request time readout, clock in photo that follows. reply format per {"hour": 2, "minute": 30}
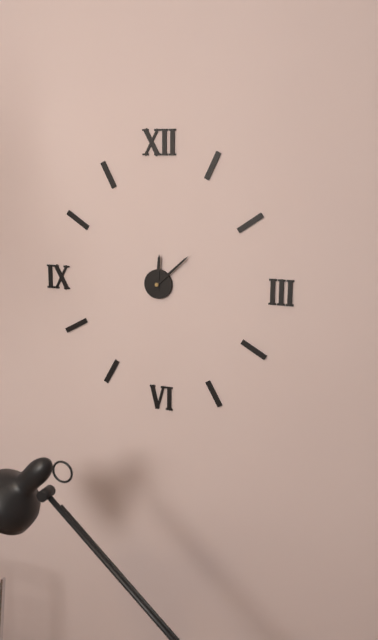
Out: {"hour": 12, "minute": 8}
